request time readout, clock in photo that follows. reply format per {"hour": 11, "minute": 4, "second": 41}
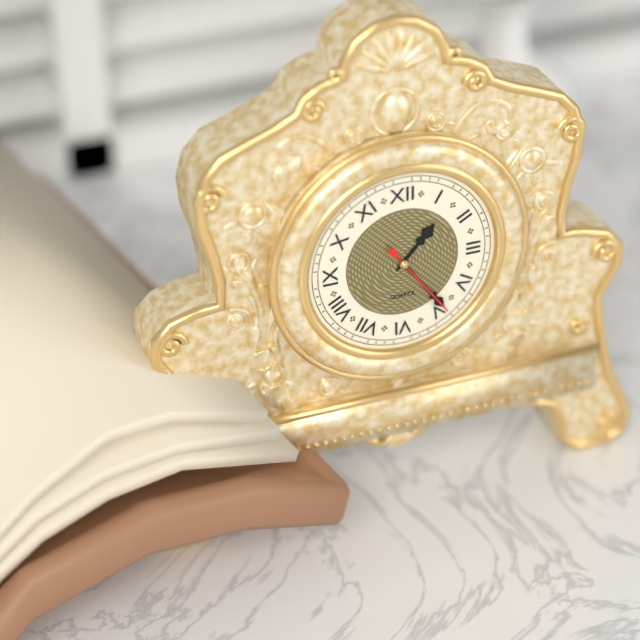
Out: {"hour": 1, "minute": 24, "second": 24}
